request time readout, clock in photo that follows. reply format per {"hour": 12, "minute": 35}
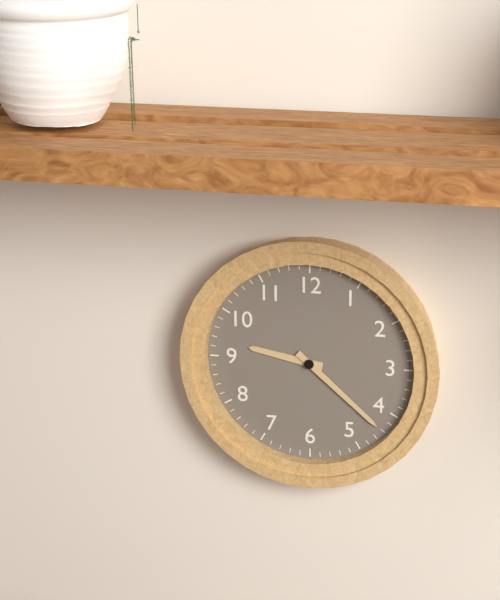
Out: {"hour": 9, "minute": 22}
